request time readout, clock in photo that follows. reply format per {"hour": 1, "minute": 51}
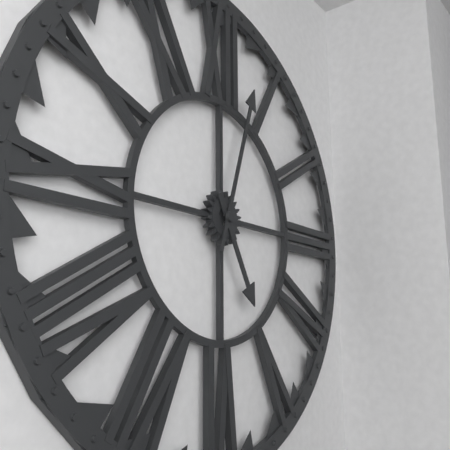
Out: {"hour": 5, "minute": 3}
